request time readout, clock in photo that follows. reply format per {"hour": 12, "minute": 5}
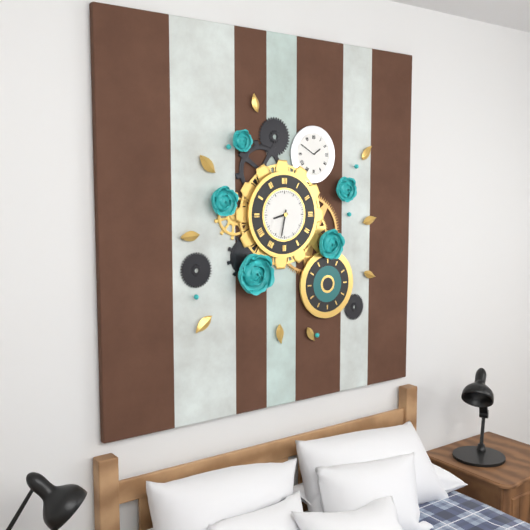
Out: {"hour": 8, "minute": 32}
